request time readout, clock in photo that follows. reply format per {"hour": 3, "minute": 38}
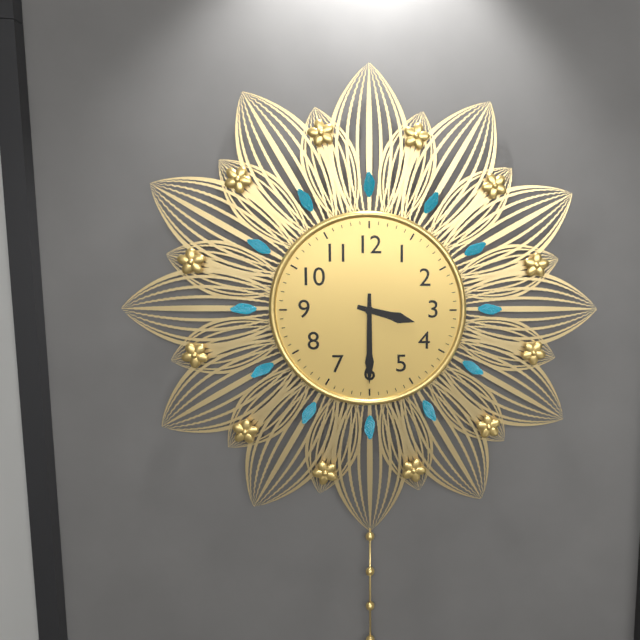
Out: {"hour": 3, "minute": 30}
